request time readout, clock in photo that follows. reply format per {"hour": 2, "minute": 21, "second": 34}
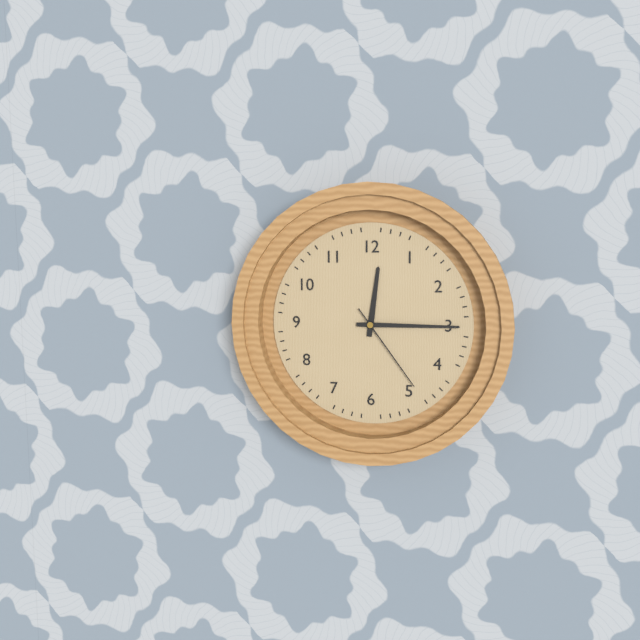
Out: {"hour": 12, "minute": 15, "second": 24}
